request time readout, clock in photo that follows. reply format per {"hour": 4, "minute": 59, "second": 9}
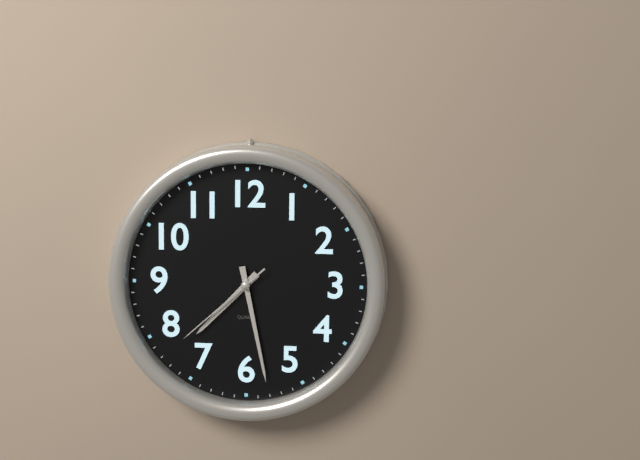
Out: {"hour": 7, "minute": 28, "second": 38}
